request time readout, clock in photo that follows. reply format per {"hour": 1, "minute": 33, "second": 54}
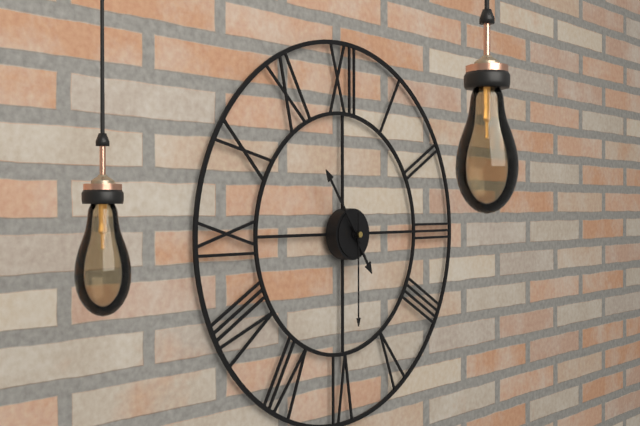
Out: {"hour": 4, "minute": 54, "second": 30}
